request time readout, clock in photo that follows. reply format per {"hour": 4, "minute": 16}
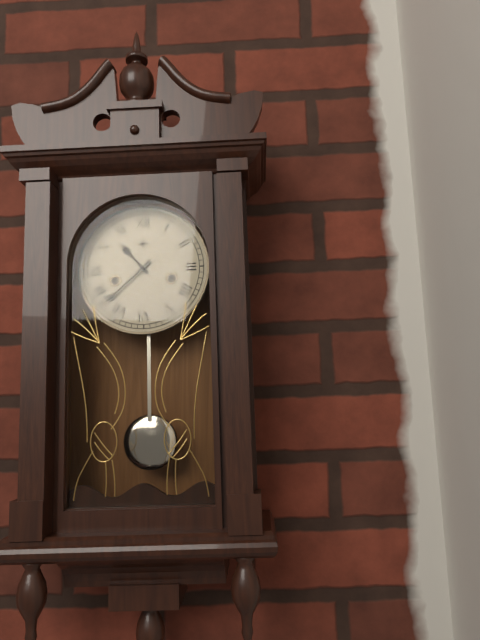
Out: {"hour": 10, "minute": 38}
